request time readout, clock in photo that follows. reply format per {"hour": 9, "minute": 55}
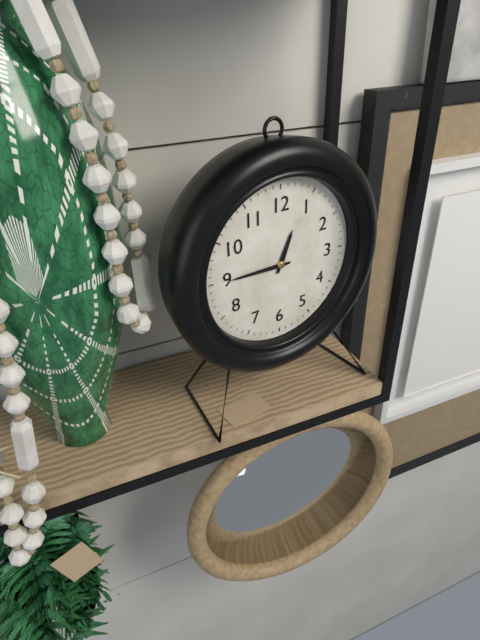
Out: {"hour": 12, "minute": 45}
